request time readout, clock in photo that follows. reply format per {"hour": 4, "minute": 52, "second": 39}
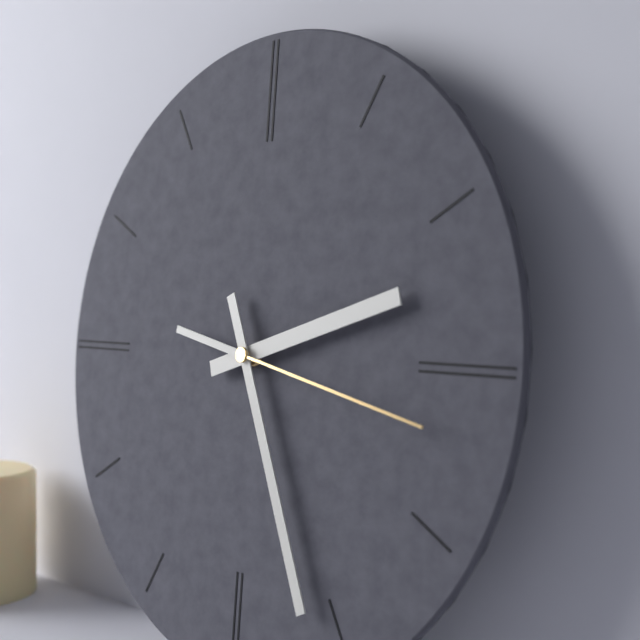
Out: {"hour": 2, "minute": 26, "second": 17}
